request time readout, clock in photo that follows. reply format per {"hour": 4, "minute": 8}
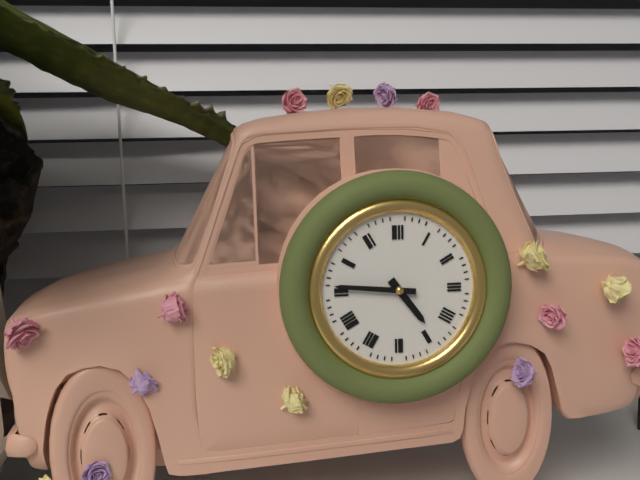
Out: {"hour": 4, "minute": 46}
